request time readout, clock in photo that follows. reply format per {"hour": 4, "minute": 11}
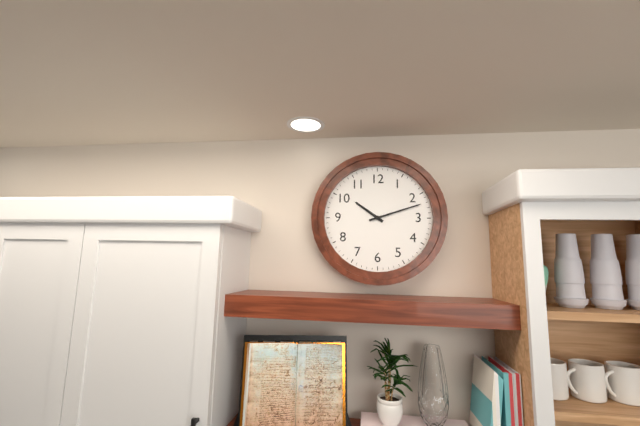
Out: {"hour": 10, "minute": 12}
